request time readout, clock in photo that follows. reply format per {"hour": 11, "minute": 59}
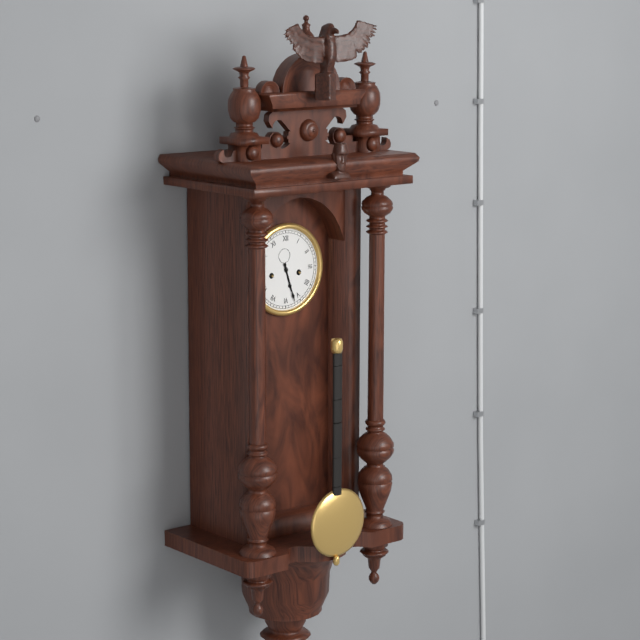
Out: {"hour": 5, "minute": 27}
